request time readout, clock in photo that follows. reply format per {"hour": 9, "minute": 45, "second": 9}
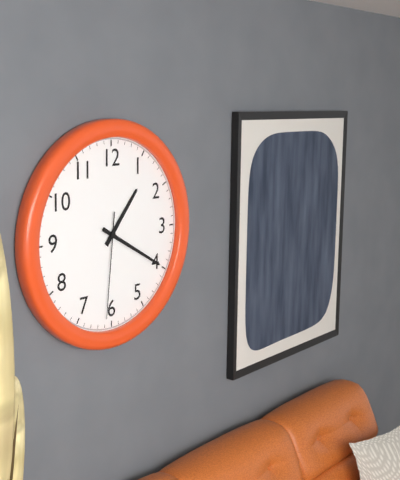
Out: {"hour": 1, "minute": 20, "second": 31}
